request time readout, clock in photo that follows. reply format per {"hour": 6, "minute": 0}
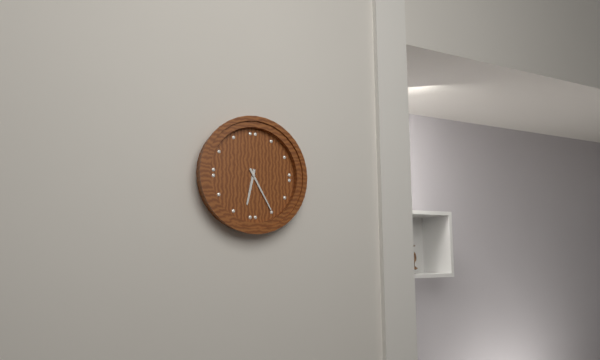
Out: {"hour": 6, "minute": 25}
